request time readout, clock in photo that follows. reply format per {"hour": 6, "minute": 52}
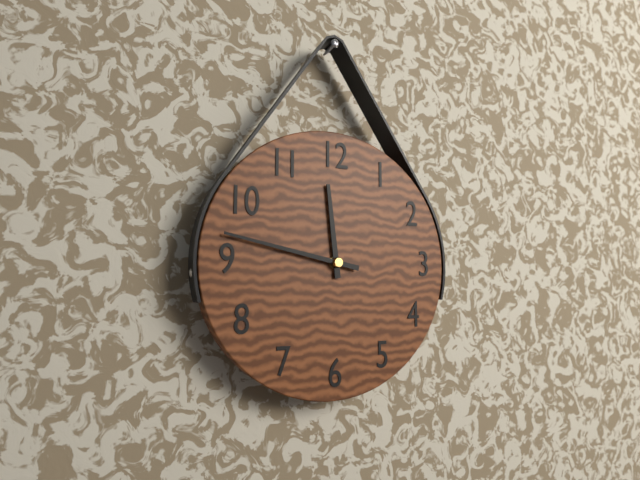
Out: {"hour": 11, "minute": 47}
